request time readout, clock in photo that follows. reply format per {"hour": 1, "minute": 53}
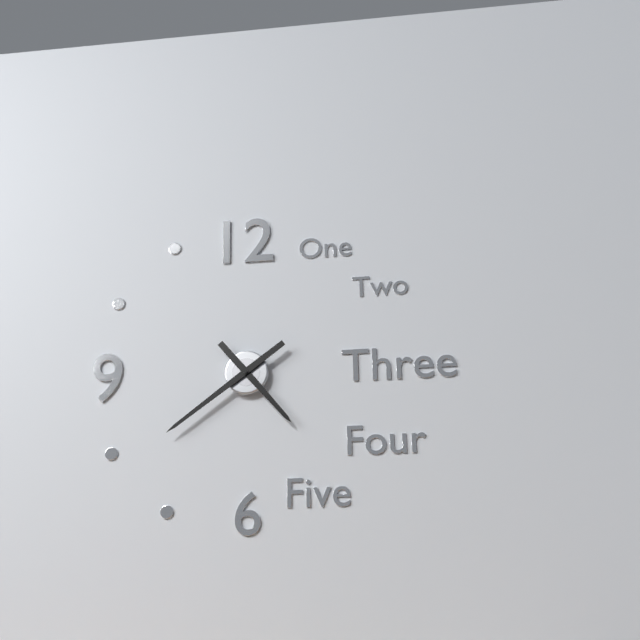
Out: {"hour": 4, "minute": 39}
